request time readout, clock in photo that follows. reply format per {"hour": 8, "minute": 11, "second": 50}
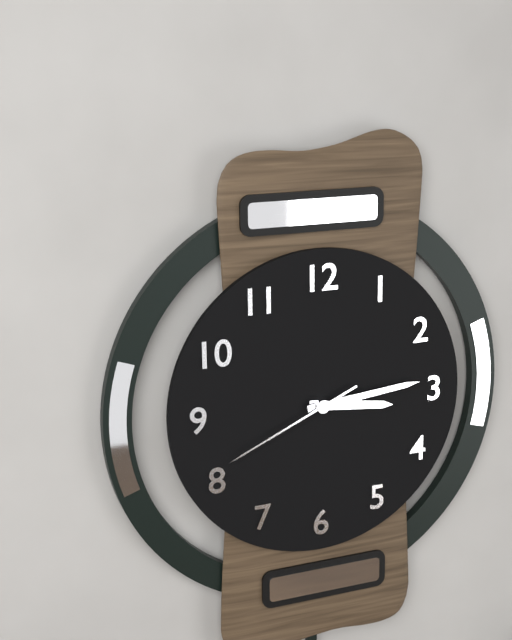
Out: {"hour": 3, "minute": 14, "second": 41}
